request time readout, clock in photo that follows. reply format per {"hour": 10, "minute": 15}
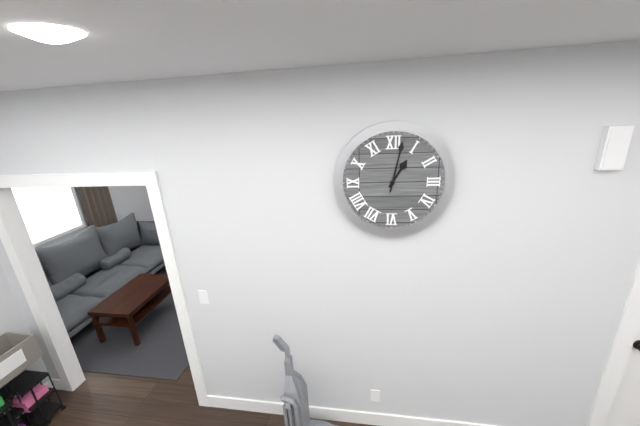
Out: {"hour": 1, "minute": 2}
